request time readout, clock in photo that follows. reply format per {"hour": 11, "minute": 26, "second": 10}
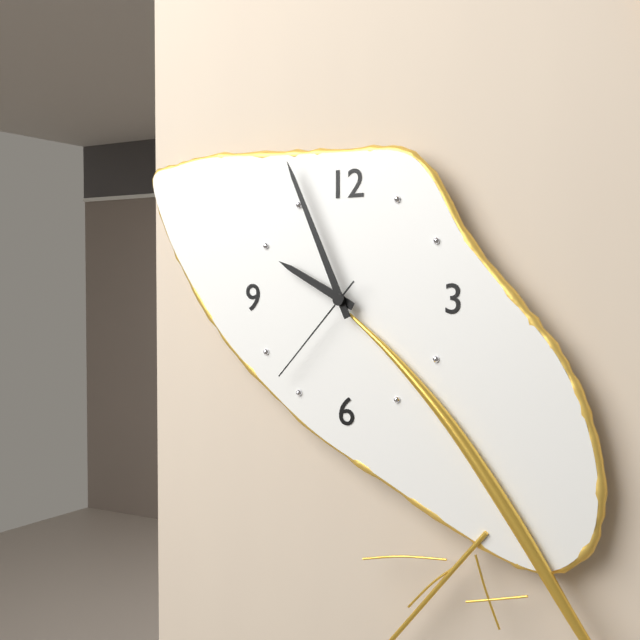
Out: {"hour": 9, "minute": 56, "second": 37}
